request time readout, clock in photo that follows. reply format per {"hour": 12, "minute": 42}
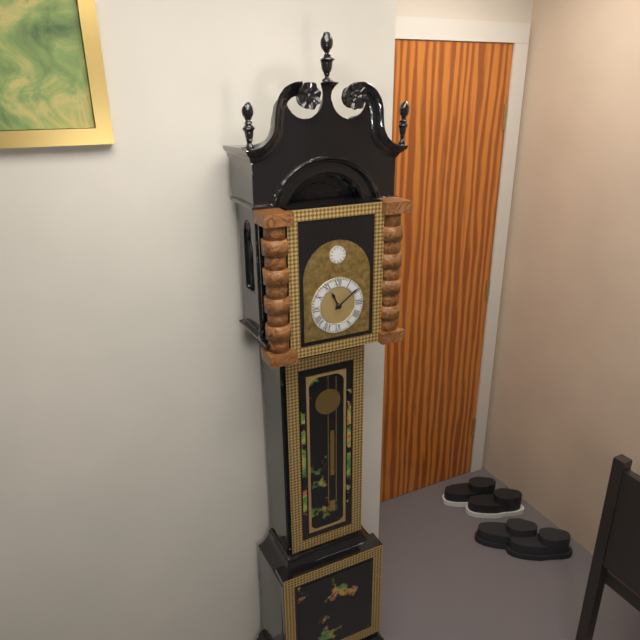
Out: {"hour": 11, "minute": 9}
